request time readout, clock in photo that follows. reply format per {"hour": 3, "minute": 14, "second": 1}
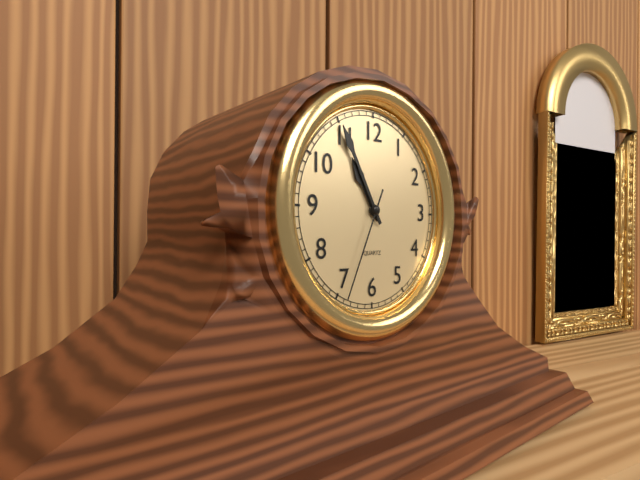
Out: {"hour": 10, "minute": 55, "second": 34}
